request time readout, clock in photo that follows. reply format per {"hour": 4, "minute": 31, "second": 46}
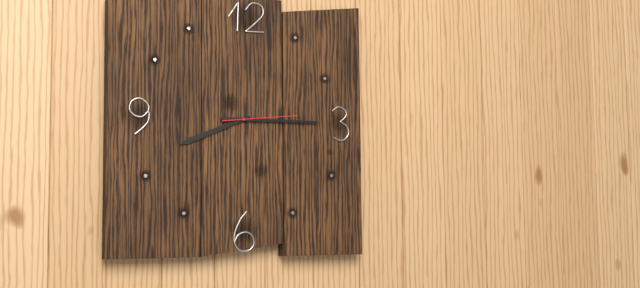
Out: {"hour": 8, "minute": 15, "second": 14}
